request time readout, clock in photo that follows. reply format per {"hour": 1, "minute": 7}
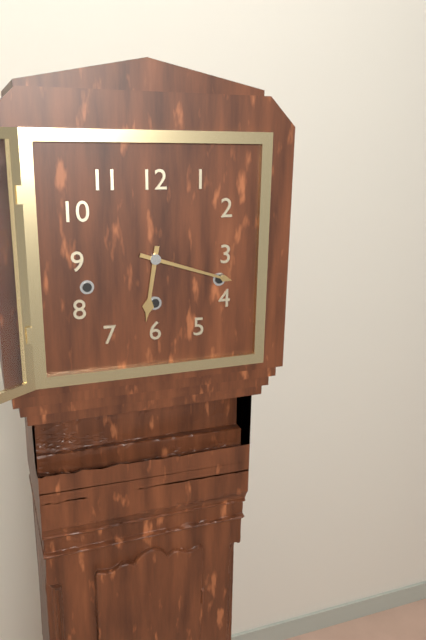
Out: {"hour": 6, "minute": 18}
